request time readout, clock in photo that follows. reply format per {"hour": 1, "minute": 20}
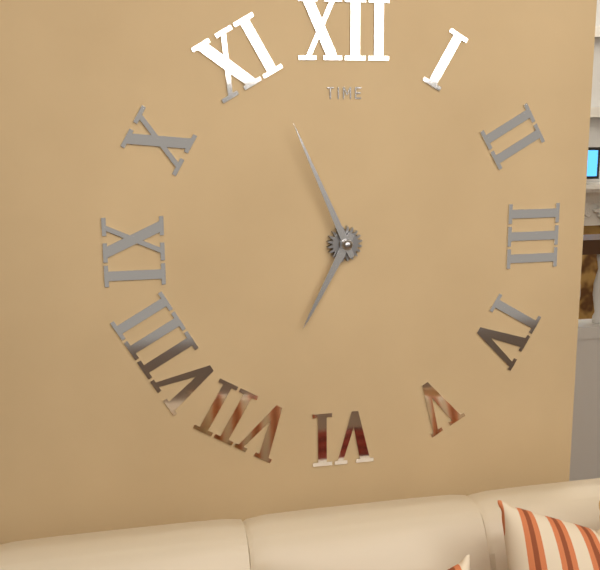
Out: {"hour": 6, "minute": 56}
